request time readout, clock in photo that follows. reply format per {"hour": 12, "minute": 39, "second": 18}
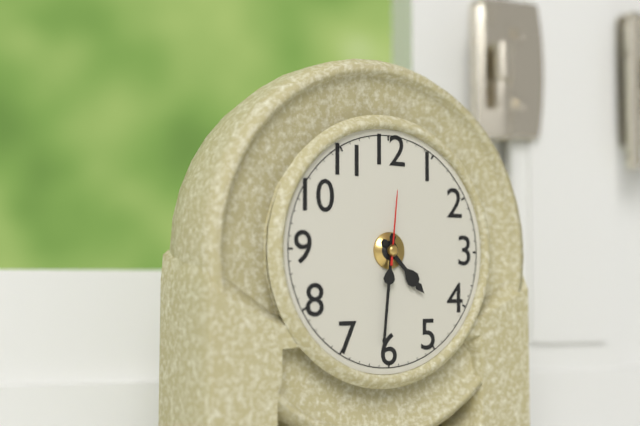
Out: {"hour": 4, "minute": 31, "second": 1}
